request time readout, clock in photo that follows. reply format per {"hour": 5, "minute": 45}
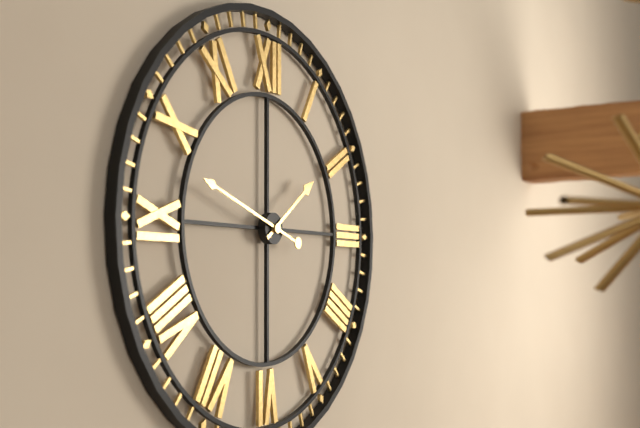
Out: {"hour": 1, "minute": 48}
